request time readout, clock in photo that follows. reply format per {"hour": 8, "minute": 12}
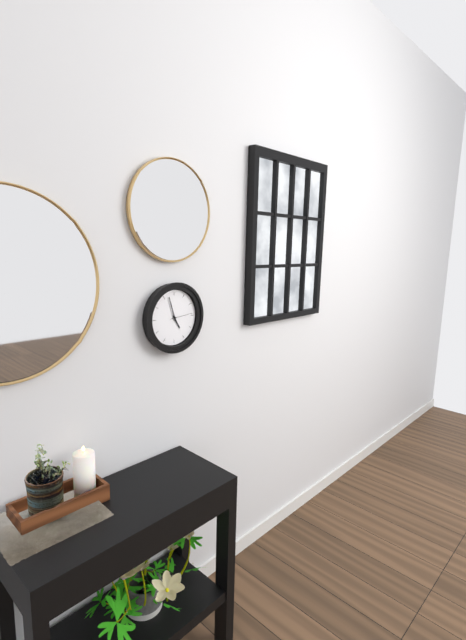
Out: {"hour": 4, "minute": 57}
